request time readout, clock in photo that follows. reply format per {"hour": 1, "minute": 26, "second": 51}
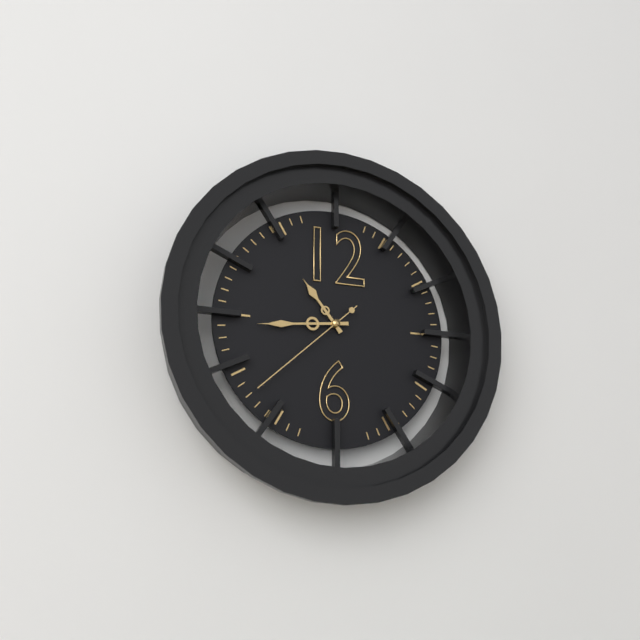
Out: {"hour": 10, "minute": 44, "second": 38}
